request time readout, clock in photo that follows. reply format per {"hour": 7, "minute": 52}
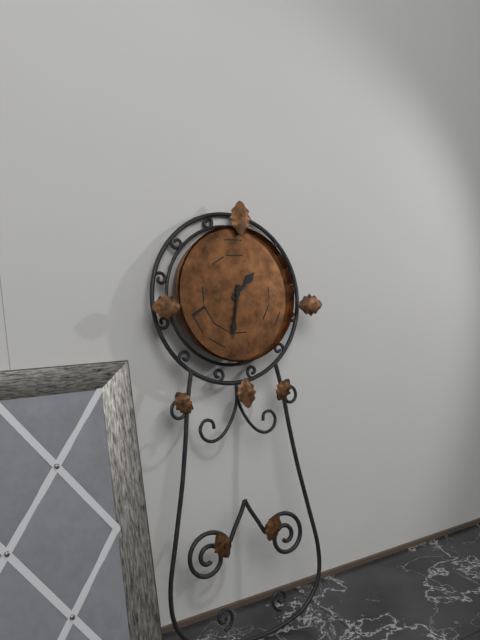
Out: {"hour": 1, "minute": 32}
